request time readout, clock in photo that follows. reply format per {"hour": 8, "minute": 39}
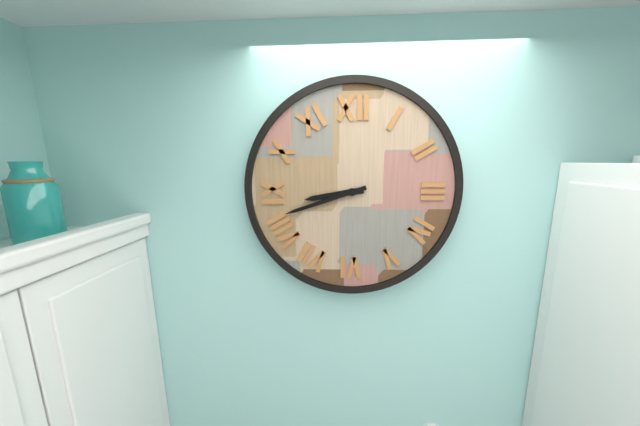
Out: {"hour": 8, "minute": 42}
